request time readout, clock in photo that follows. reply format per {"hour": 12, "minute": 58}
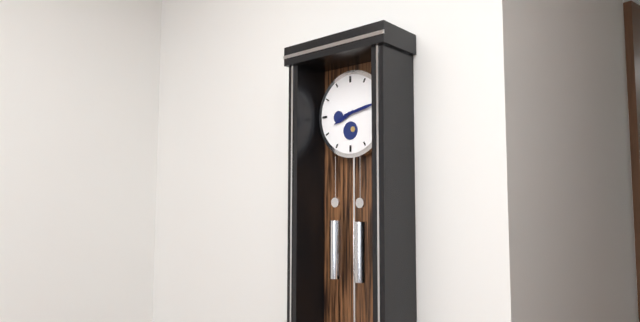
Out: {"hour": 8, "minute": 13}
